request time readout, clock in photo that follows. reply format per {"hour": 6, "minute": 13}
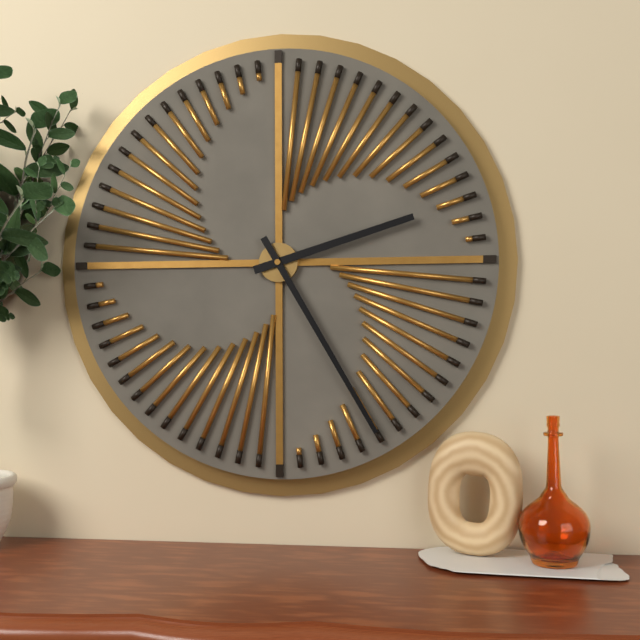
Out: {"hour": 2, "minute": 25}
